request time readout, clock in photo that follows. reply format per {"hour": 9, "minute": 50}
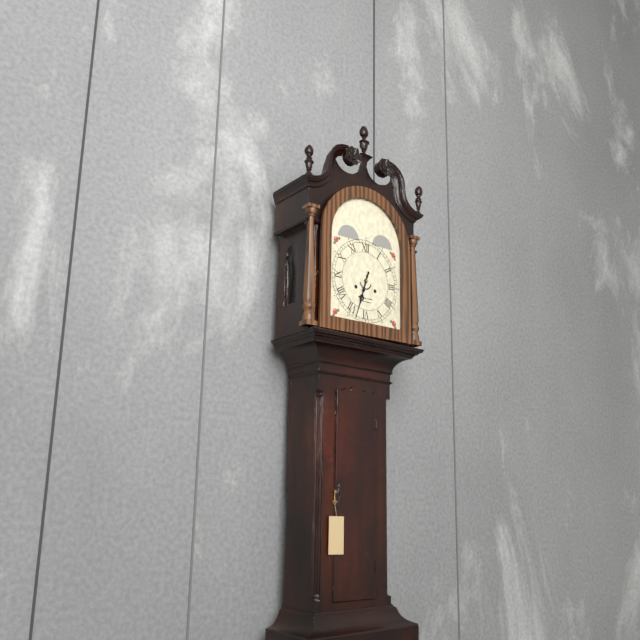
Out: {"hour": 6, "minute": 33}
